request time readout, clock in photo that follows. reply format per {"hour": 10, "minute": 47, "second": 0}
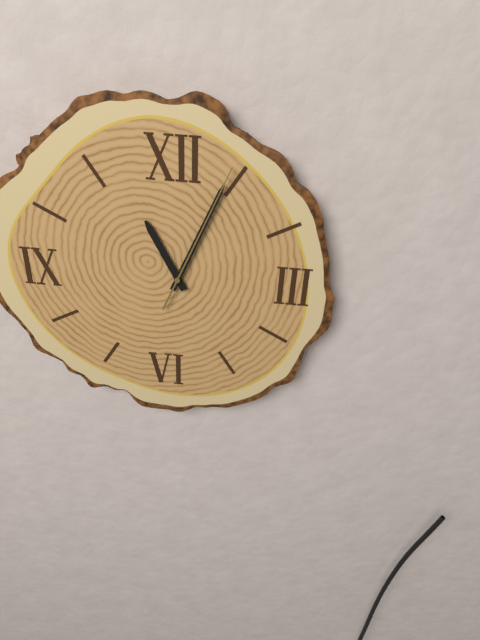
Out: {"hour": 11, "minute": 4, "second": 4}
